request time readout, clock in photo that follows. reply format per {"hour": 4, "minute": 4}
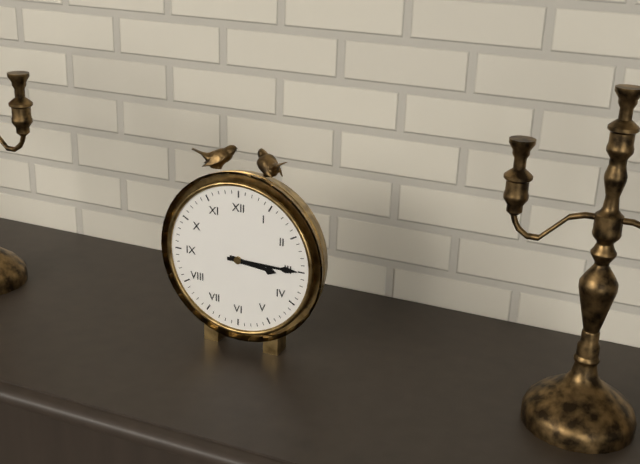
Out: {"hour": 3, "minute": 15}
